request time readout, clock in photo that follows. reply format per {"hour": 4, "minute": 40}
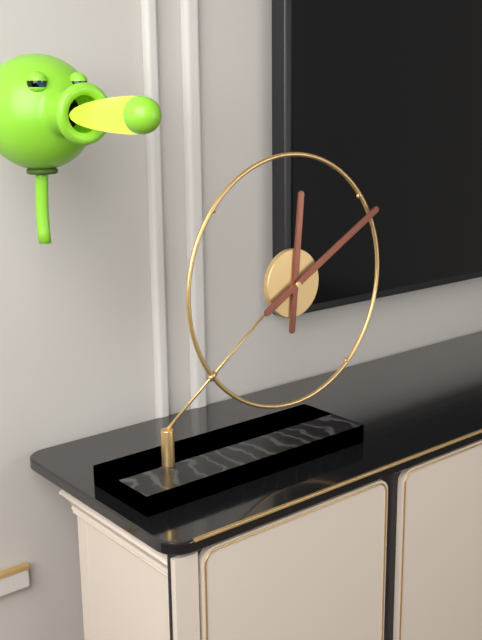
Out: {"hour": 12, "minute": 10}
